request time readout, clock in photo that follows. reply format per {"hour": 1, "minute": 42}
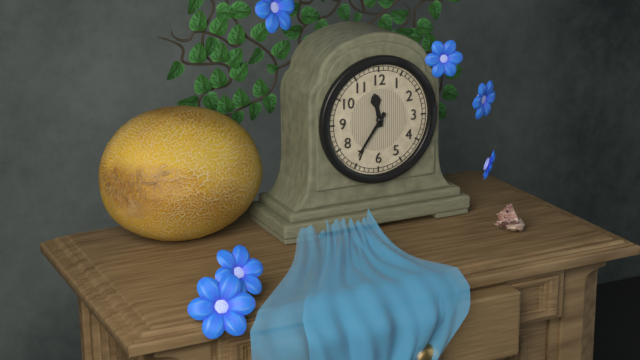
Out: {"hour": 11, "minute": 36}
